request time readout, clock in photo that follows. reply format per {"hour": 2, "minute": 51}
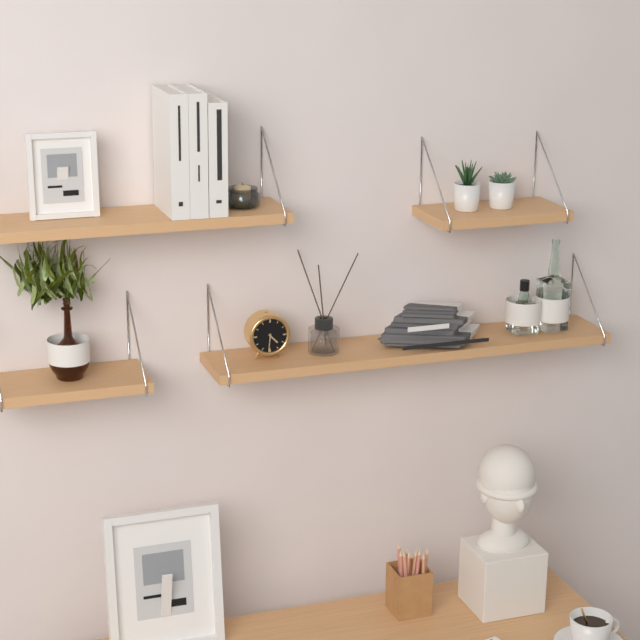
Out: {"hour": 4, "minute": 31}
